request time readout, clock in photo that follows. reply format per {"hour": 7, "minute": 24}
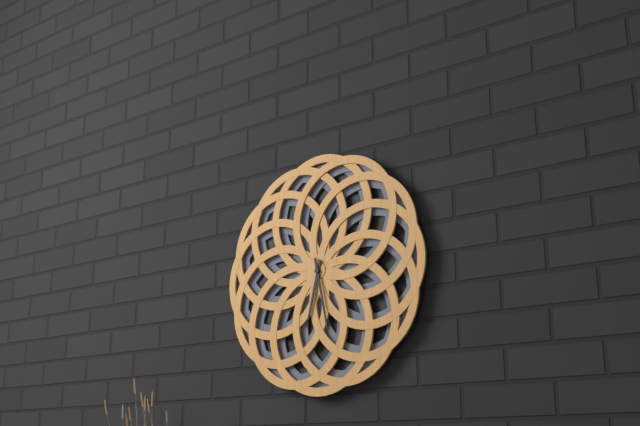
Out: {"hour": 6, "minute": 28}
